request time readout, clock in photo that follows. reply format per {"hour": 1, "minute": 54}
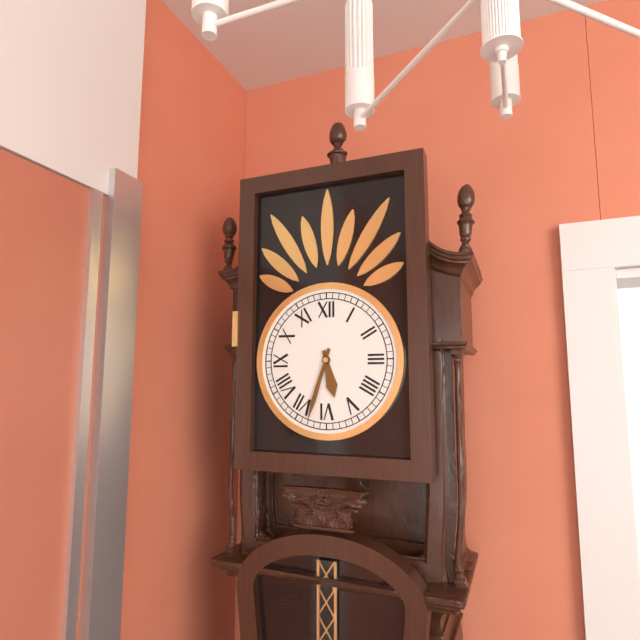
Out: {"hour": 5, "minute": 33}
